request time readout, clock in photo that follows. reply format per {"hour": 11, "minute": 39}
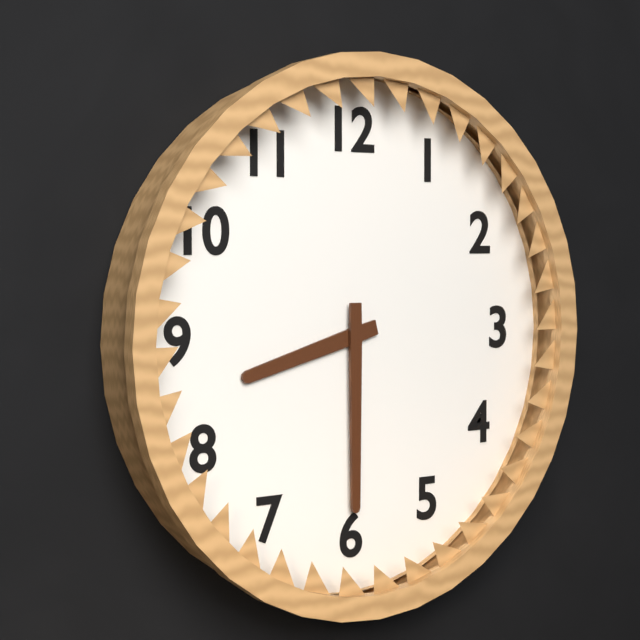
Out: {"hour": 8, "minute": 30}
